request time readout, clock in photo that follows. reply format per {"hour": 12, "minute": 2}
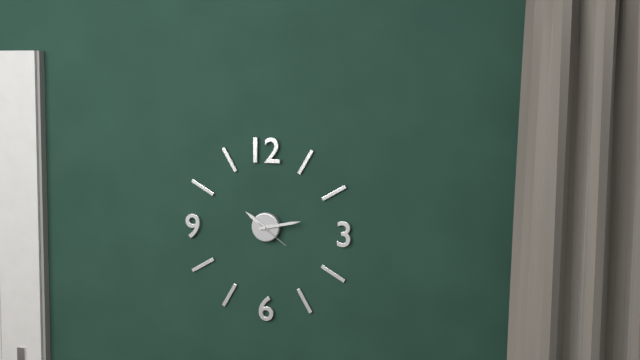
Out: {"hour": 10, "minute": 13}
